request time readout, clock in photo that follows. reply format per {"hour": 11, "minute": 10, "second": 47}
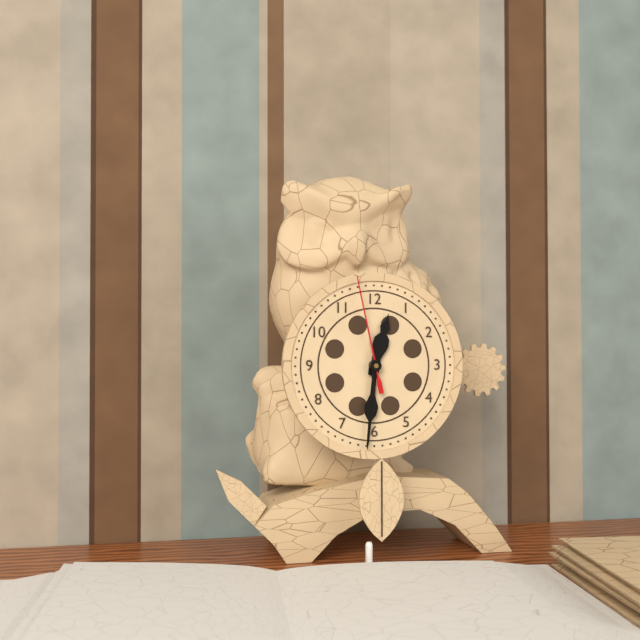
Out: {"hour": 12, "minute": 31, "second": 58}
